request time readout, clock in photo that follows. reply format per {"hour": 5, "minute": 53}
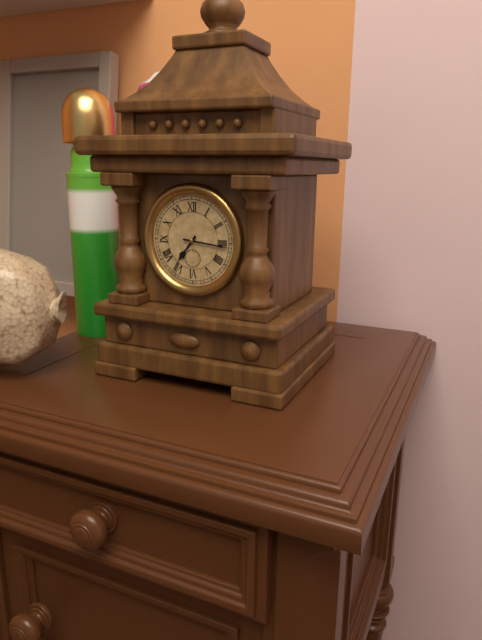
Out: {"hour": 7, "minute": 16}
